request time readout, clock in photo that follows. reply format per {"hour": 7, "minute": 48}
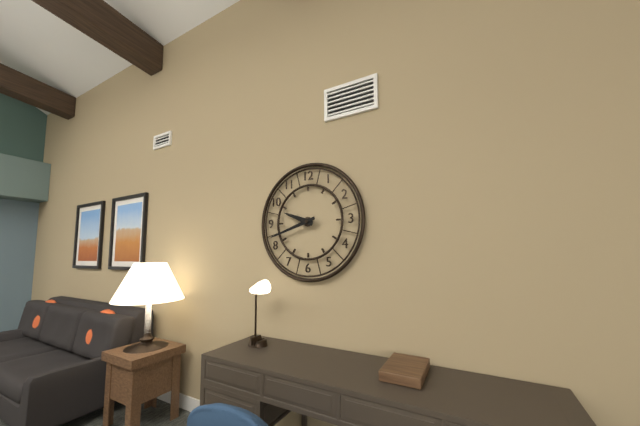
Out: {"hour": 9, "minute": 42}
